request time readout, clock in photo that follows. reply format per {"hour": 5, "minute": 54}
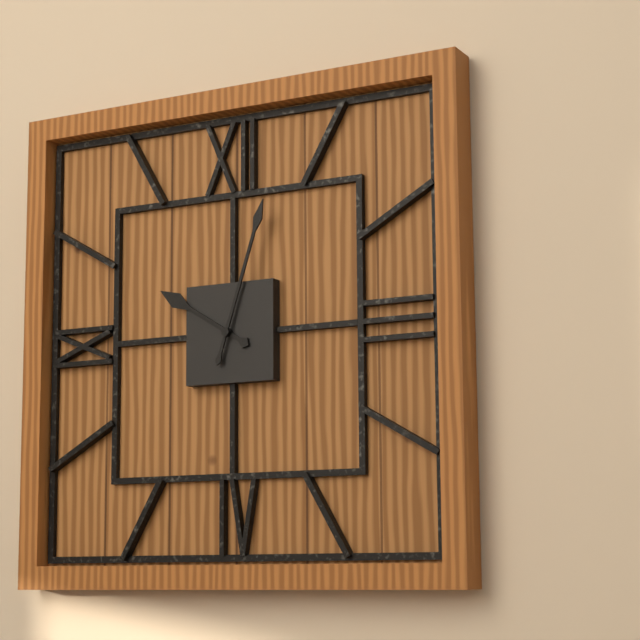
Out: {"hour": 10, "minute": 3}
